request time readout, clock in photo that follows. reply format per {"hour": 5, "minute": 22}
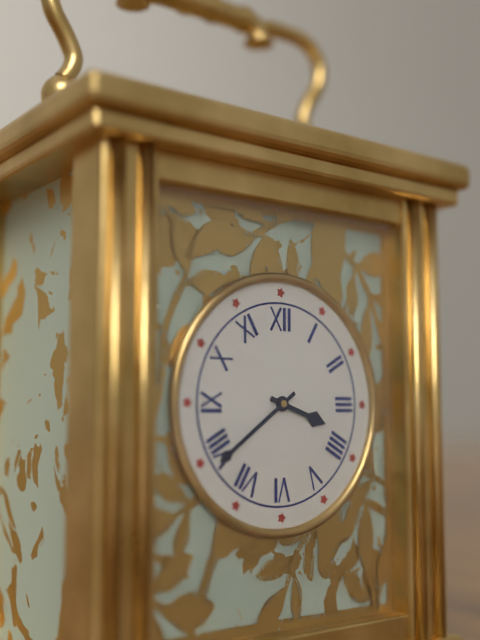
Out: {"hour": 3, "minute": 39}
